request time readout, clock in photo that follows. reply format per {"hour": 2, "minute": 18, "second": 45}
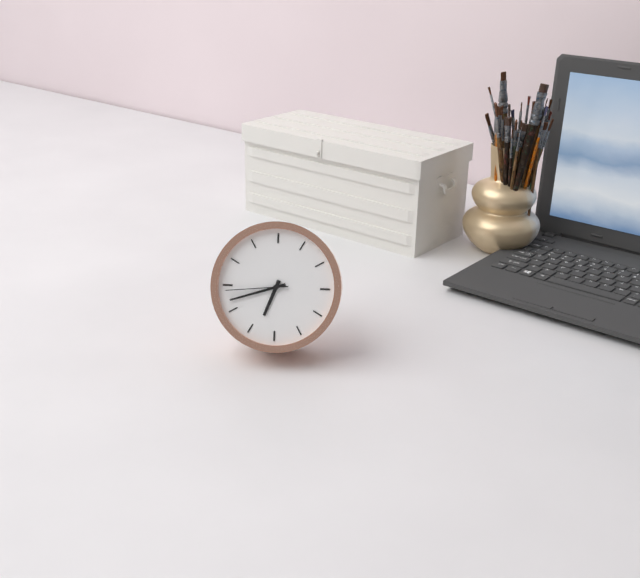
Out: {"hour": 6, "minute": 42, "second": 44}
